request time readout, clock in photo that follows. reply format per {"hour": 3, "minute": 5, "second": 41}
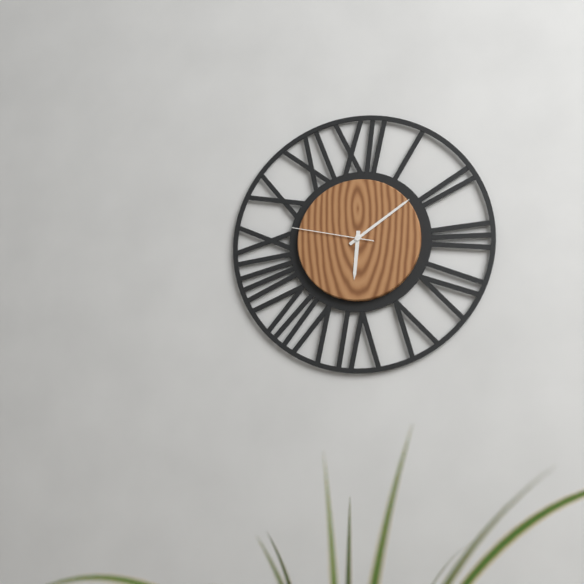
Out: {"hour": 6, "minute": 9, "second": 47}
